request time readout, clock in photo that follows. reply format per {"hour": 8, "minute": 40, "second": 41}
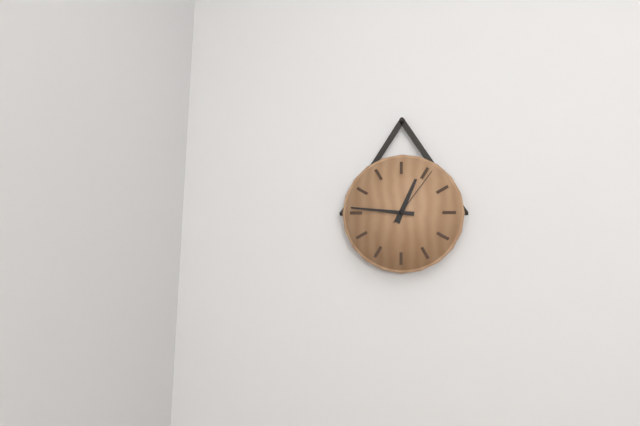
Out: {"hour": 12, "minute": 46, "second": 6}
